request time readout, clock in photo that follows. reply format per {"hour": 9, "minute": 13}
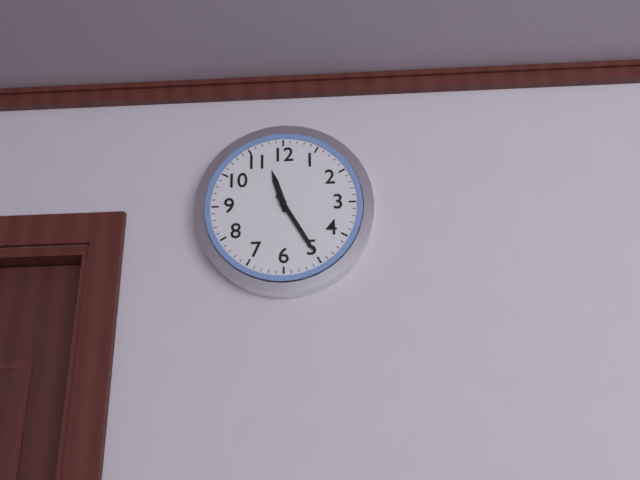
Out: {"hour": 11, "minute": 25}
